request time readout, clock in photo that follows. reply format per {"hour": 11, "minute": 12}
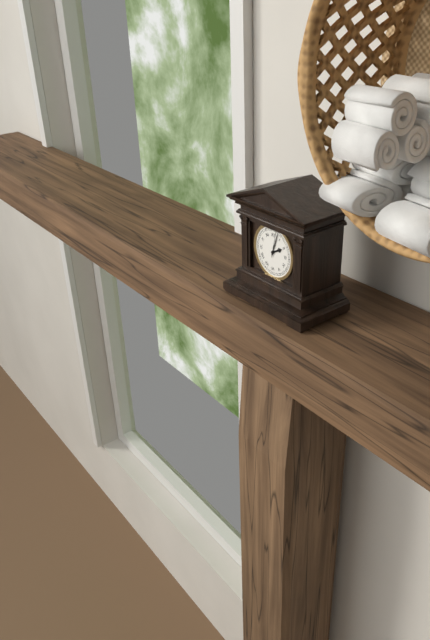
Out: {"hour": 2, "minute": 3}
